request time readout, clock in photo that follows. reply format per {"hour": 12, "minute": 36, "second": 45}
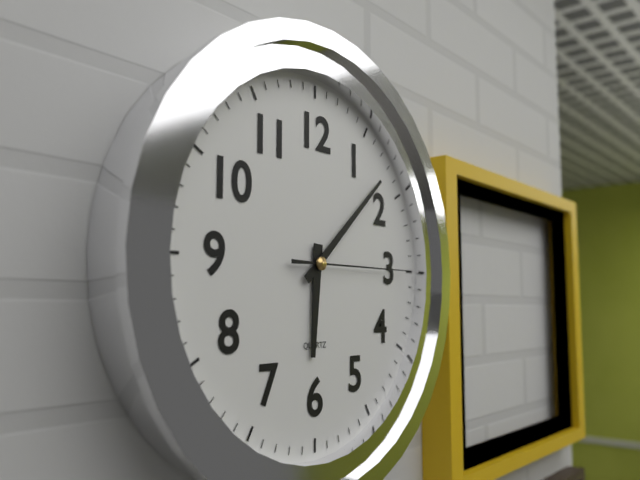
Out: {"hour": 6, "minute": 8, "second": 15}
